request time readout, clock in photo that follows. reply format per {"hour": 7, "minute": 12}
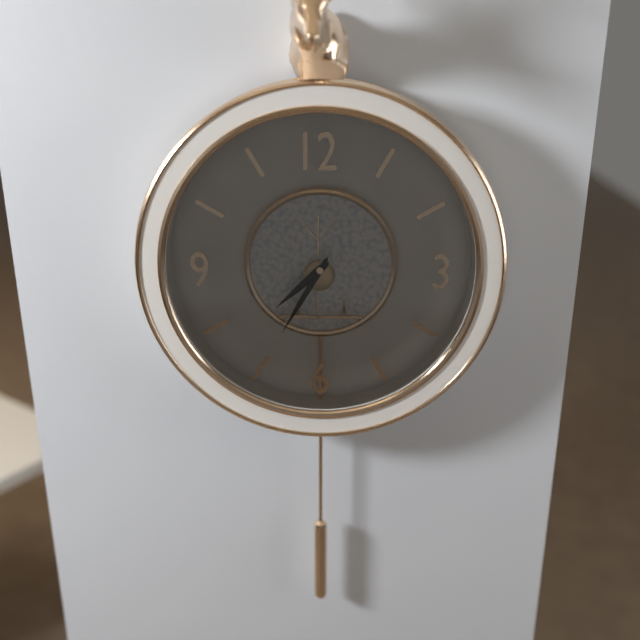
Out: {"hour": 7, "minute": 35}
